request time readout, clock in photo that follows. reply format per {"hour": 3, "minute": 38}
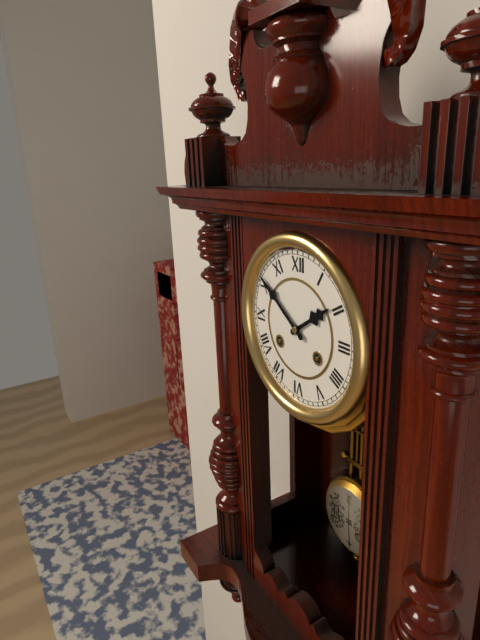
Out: {"hour": 1, "minute": 51}
